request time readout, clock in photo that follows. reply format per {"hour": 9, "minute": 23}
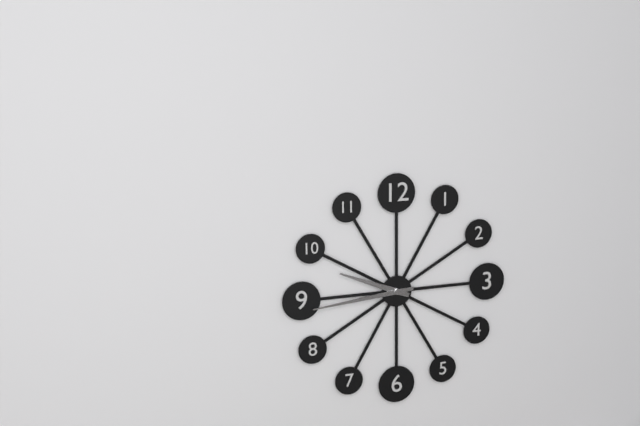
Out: {"hour": 9, "minute": 44}
